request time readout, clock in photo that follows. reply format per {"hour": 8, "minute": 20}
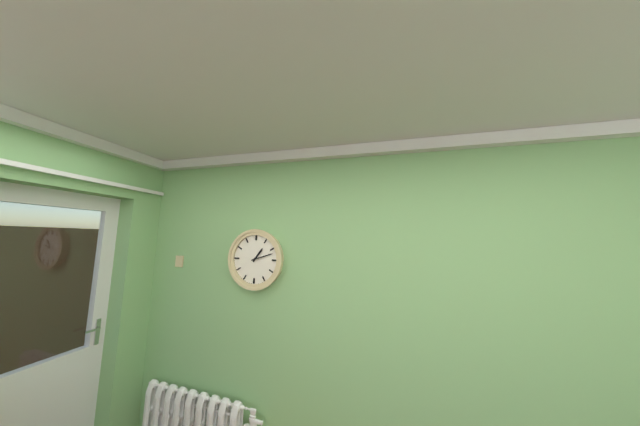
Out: {"hour": 1, "minute": 12}
